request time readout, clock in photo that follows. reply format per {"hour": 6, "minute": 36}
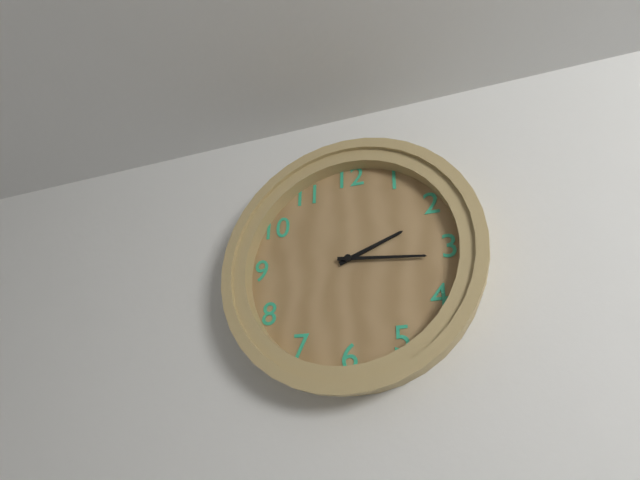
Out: {"hour": 2, "minute": 16}
